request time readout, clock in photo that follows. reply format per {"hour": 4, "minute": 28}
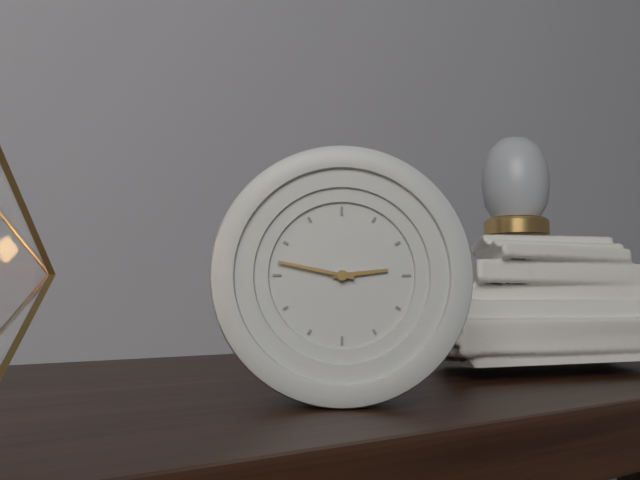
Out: {"hour": 2, "minute": 47}
